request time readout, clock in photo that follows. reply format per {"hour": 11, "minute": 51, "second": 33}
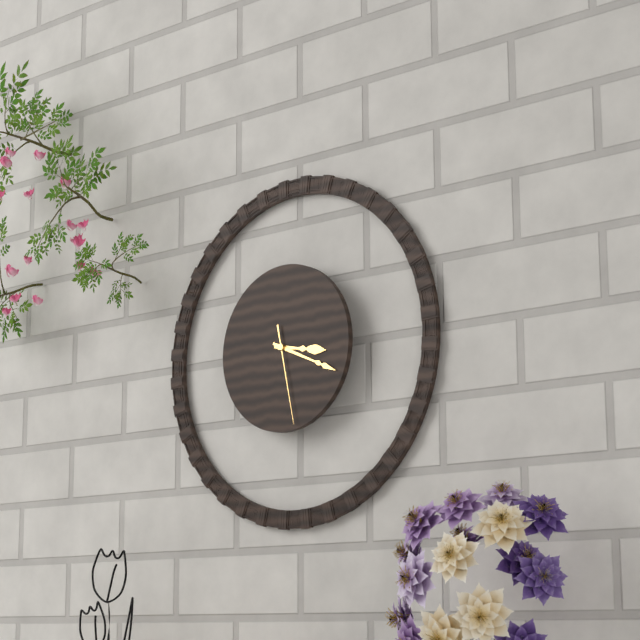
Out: {"hour": 3, "minute": 19, "second": 28}
